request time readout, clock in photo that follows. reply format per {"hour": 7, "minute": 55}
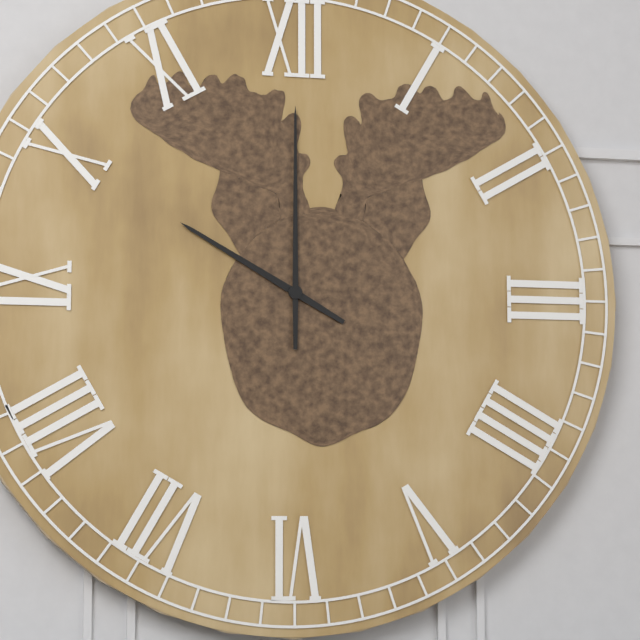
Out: {"hour": 10, "minute": 0}
